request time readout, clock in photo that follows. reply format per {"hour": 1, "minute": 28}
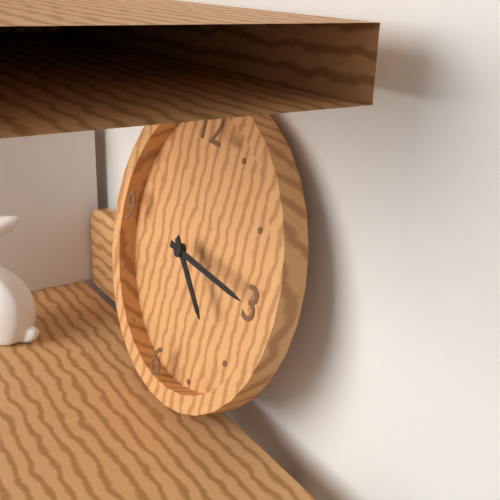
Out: {"hour": 4, "minute": 15}
